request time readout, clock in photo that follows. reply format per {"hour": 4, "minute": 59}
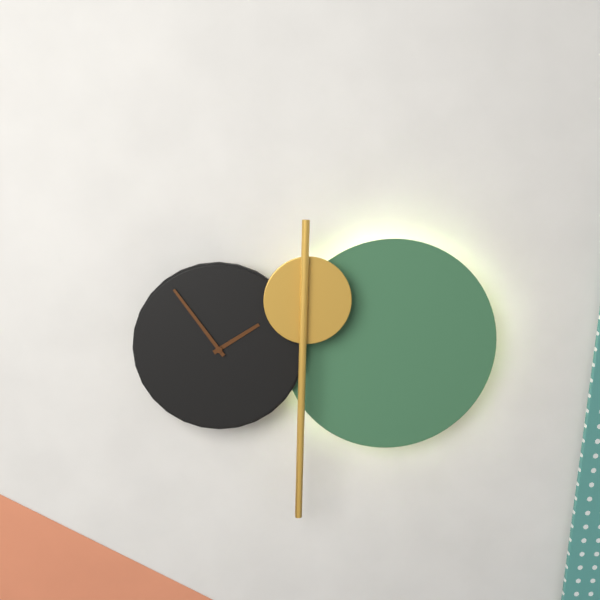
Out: {"hour": 1, "minute": 54}
